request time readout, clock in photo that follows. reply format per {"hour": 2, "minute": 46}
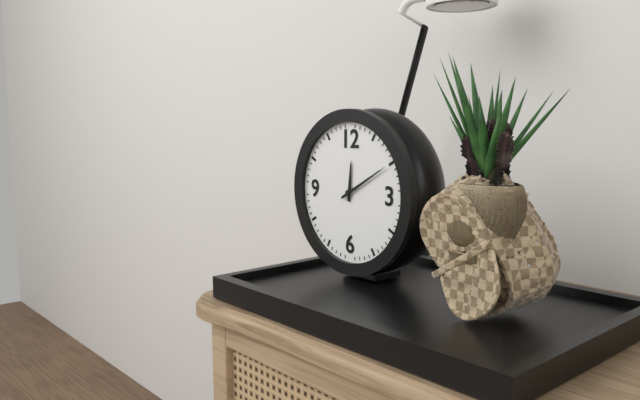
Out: {"hour": 12, "minute": 10}
